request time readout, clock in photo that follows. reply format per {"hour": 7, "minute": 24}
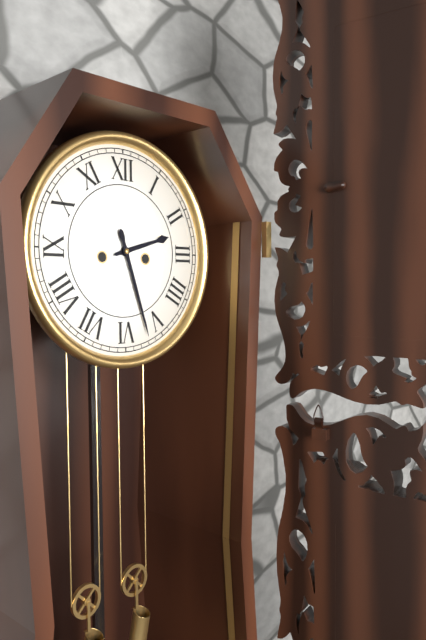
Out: {"hour": 2, "minute": 27}
